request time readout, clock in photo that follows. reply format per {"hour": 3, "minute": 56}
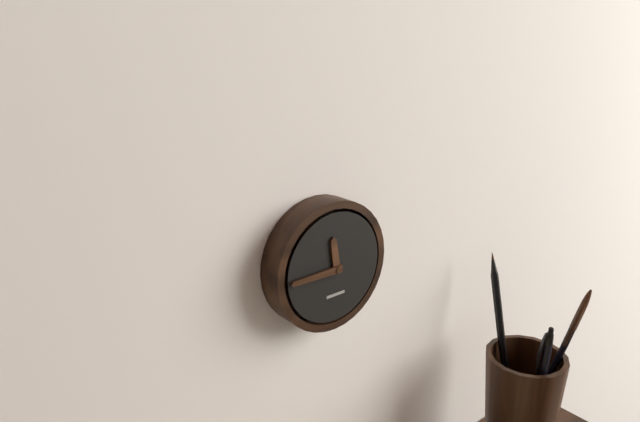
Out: {"hour": 11, "minute": 45}
